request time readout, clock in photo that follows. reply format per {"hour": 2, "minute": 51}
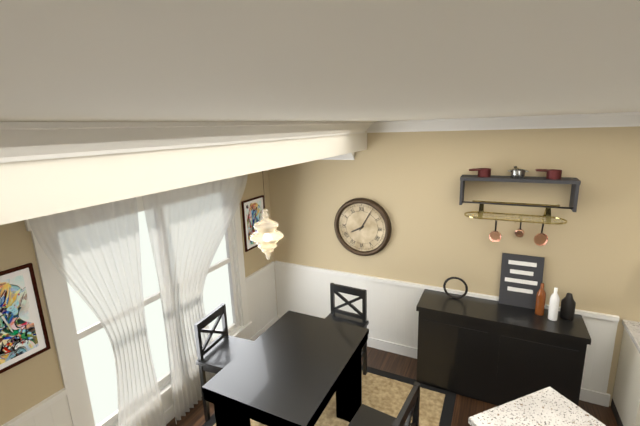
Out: {"hour": 8, "minute": 5}
